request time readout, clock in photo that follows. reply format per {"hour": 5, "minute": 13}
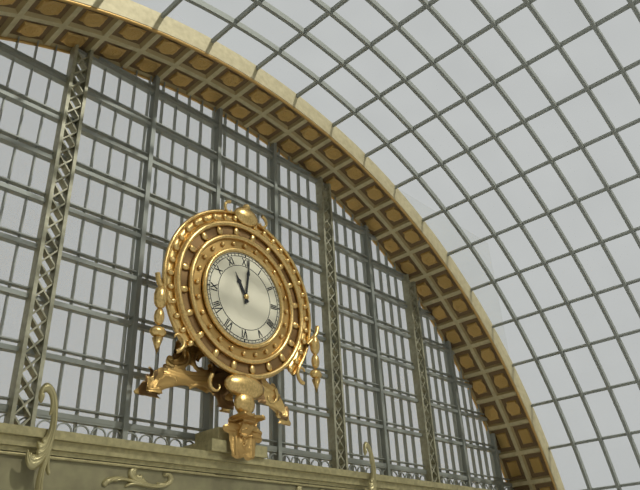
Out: {"hour": 11, "minute": 1}
